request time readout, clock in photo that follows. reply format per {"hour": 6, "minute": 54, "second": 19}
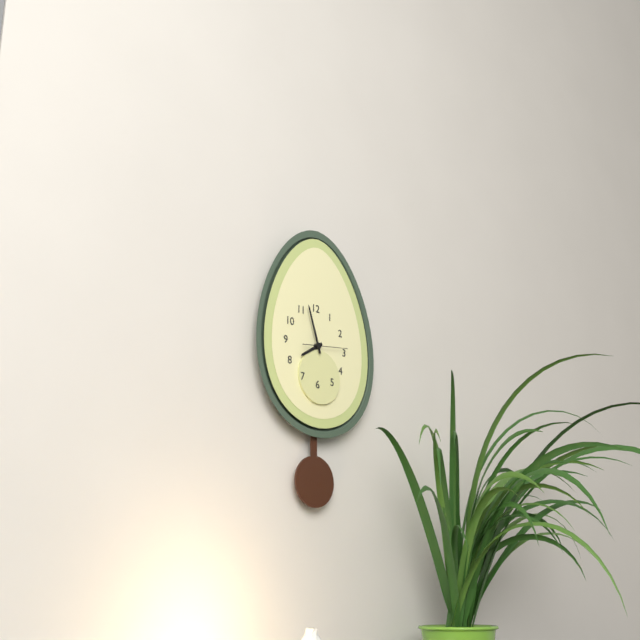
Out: {"hour": 7, "minute": 57, "second": 14}
